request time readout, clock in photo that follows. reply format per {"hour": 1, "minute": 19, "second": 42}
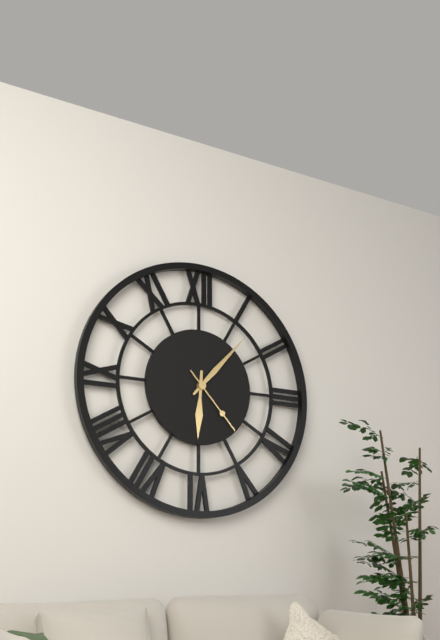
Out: {"hour": 6, "minute": 7, "second": 23}
